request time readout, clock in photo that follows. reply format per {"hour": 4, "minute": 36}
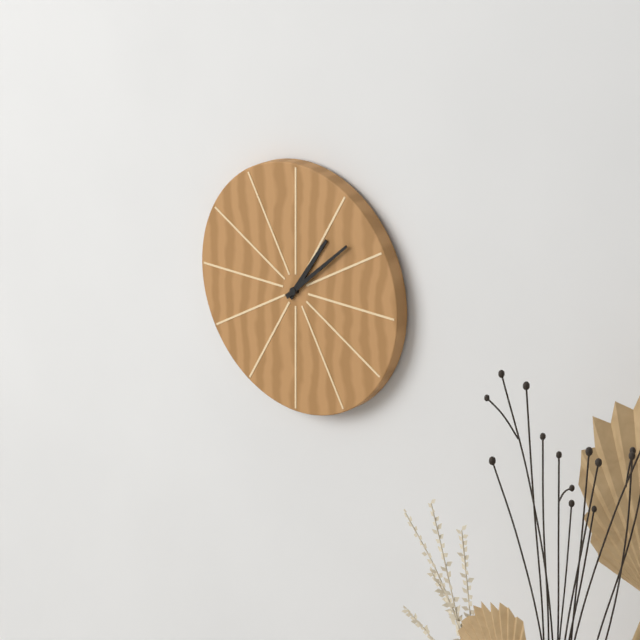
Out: {"hour": 1, "minute": 8}
